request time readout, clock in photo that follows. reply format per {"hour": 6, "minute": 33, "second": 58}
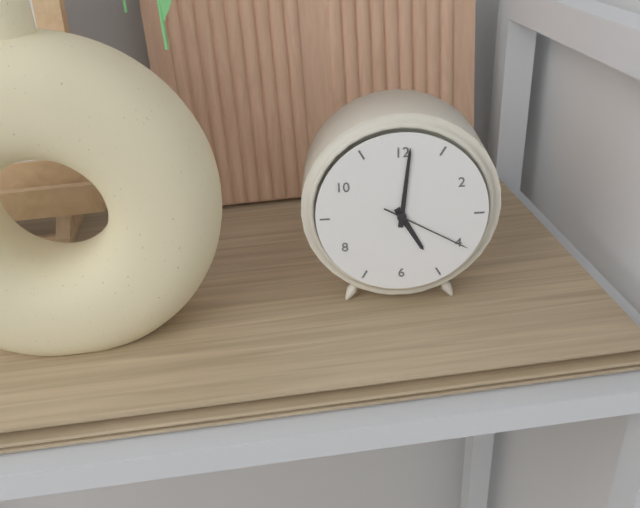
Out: {"hour": 5, "minute": 1, "second": 20}
